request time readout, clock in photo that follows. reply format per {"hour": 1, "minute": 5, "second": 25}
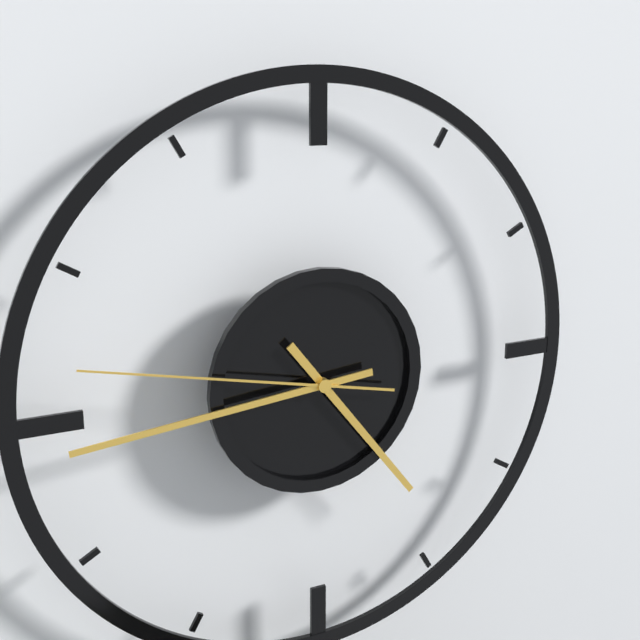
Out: {"hour": 4, "minute": 44, "second": 47}
